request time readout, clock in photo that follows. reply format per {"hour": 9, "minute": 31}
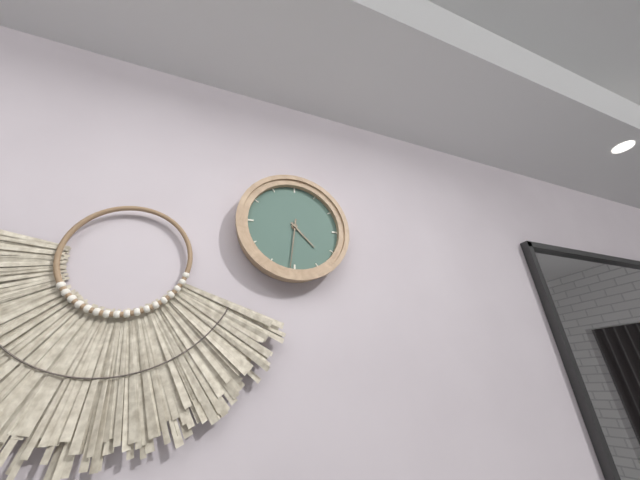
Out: {"hour": 4, "minute": 31}
